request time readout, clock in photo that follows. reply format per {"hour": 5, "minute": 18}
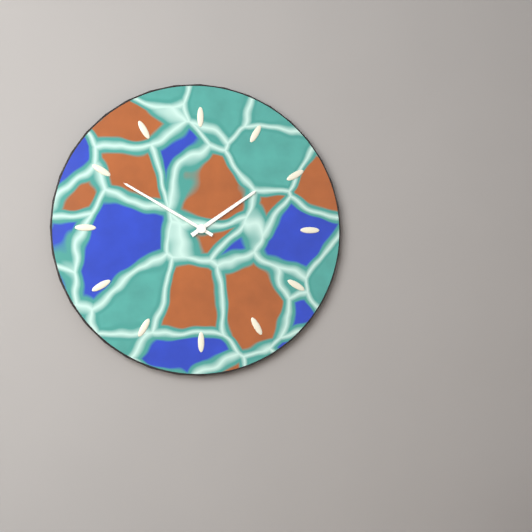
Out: {"hour": 1, "minute": 50}
